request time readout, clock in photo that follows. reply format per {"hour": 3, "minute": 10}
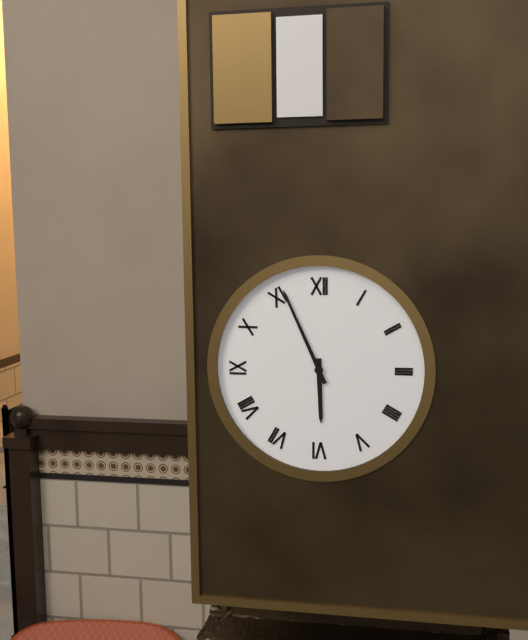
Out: {"hour": 5, "minute": 56}
